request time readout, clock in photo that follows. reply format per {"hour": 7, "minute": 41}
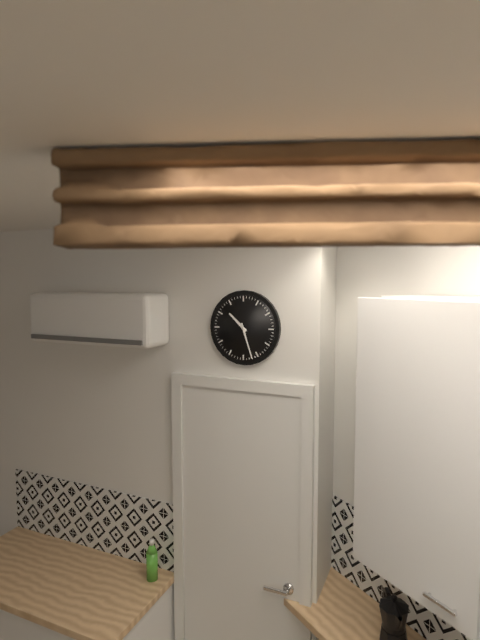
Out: {"hour": 10, "minute": 27}
